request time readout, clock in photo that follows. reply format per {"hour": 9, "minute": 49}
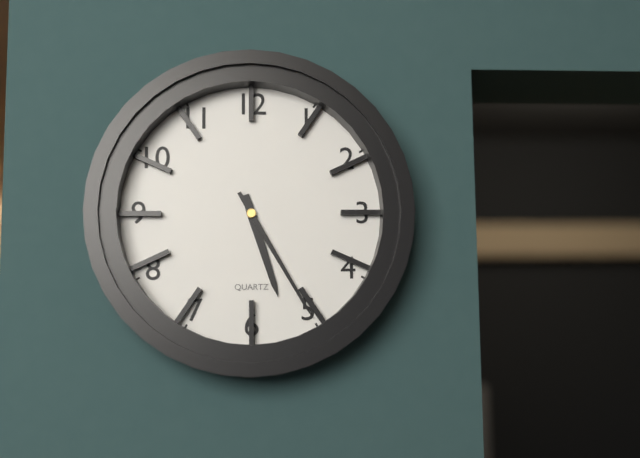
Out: {"hour": 5, "minute": 25}
